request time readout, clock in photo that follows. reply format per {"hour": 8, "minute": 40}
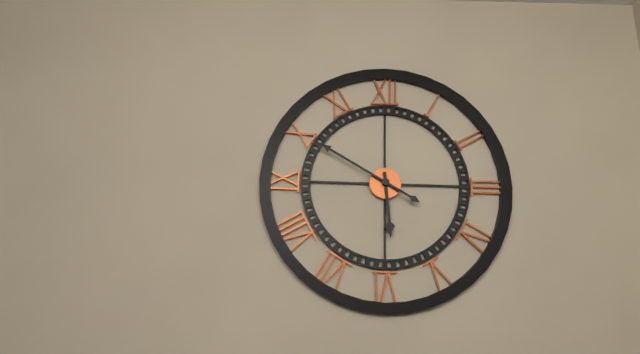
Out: {"hour": 5, "minute": 50}
